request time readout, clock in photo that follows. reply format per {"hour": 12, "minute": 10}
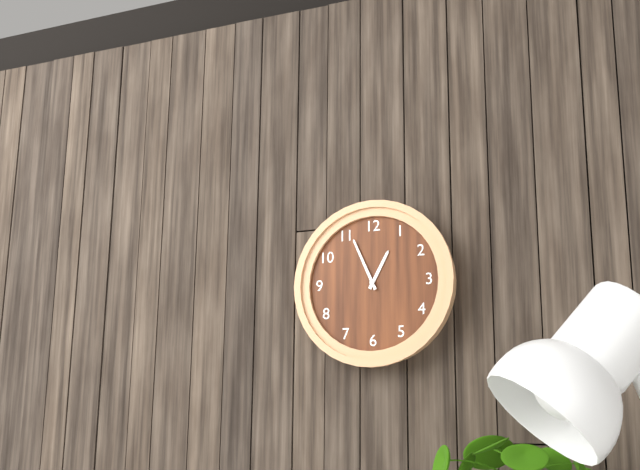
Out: {"hour": 12, "minute": 56}
